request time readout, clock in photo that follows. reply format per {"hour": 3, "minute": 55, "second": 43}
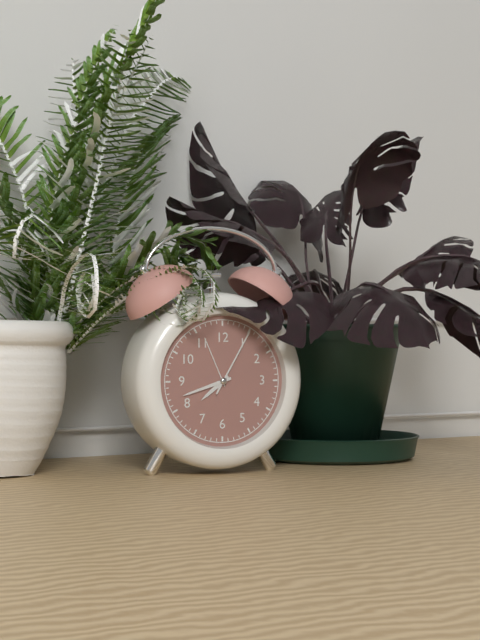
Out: {"hour": 7, "minute": 42, "second": 5}
